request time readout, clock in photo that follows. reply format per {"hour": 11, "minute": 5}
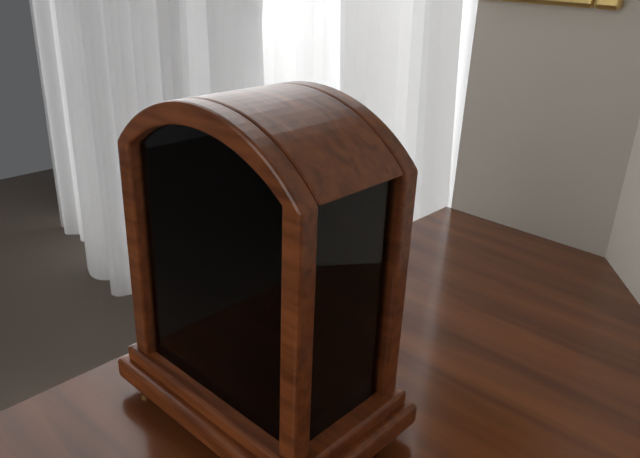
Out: {"hour": 12, "minute": 51}
